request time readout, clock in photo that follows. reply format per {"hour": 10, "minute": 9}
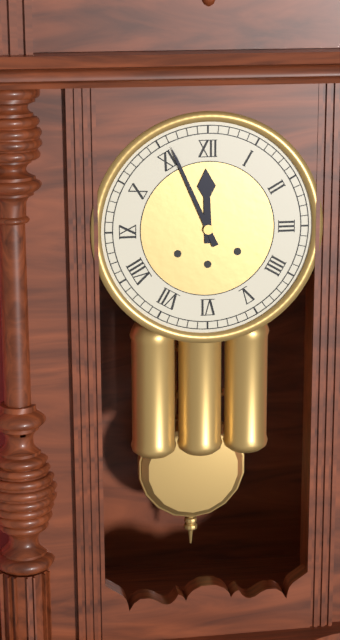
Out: {"hour": 11, "minute": 56}
